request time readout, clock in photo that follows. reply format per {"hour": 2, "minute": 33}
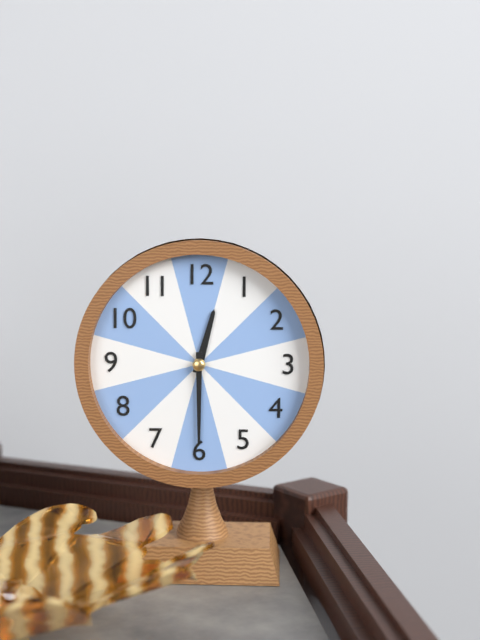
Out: {"hour": 12, "minute": 30}
